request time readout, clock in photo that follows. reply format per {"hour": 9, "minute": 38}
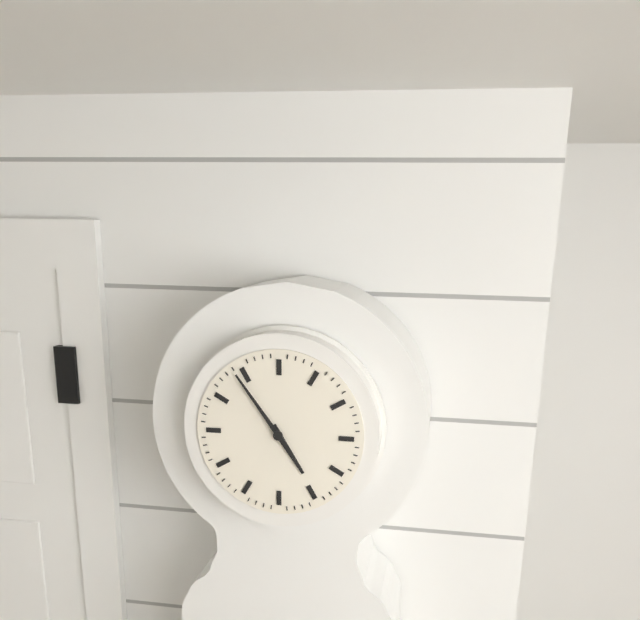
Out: {"hour": 4, "minute": 54}
